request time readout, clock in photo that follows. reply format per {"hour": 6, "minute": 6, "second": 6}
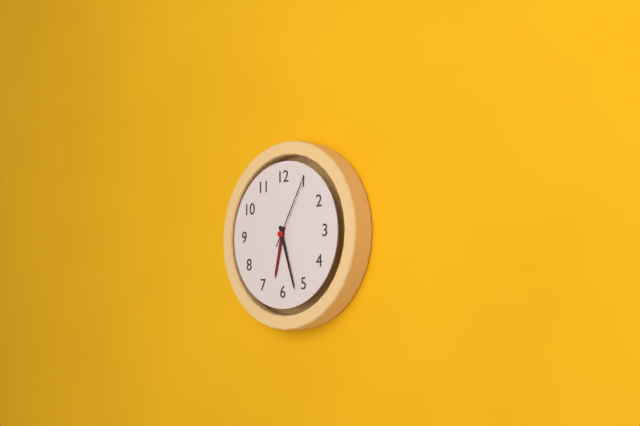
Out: {"hour": 6, "minute": 27, "second": 5}
